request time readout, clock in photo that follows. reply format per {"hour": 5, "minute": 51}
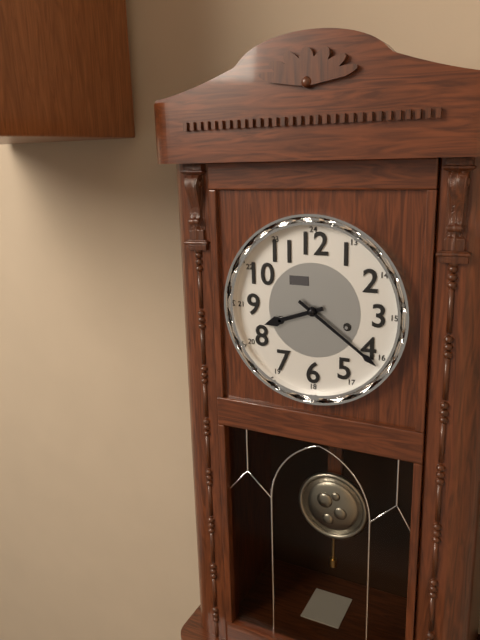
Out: {"hour": 8, "minute": 21}
